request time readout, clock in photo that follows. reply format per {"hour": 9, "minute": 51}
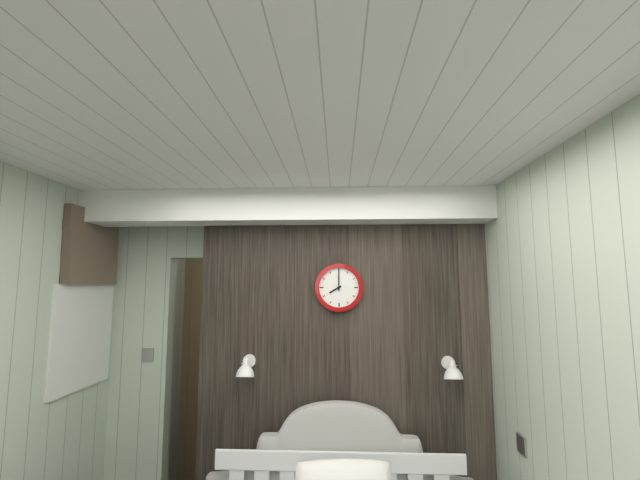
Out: {"hour": 8, "minute": 0}
